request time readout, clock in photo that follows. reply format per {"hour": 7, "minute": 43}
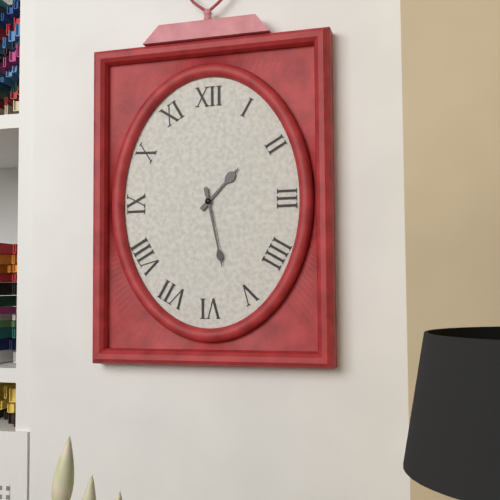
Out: {"hour": 1, "minute": 28}
